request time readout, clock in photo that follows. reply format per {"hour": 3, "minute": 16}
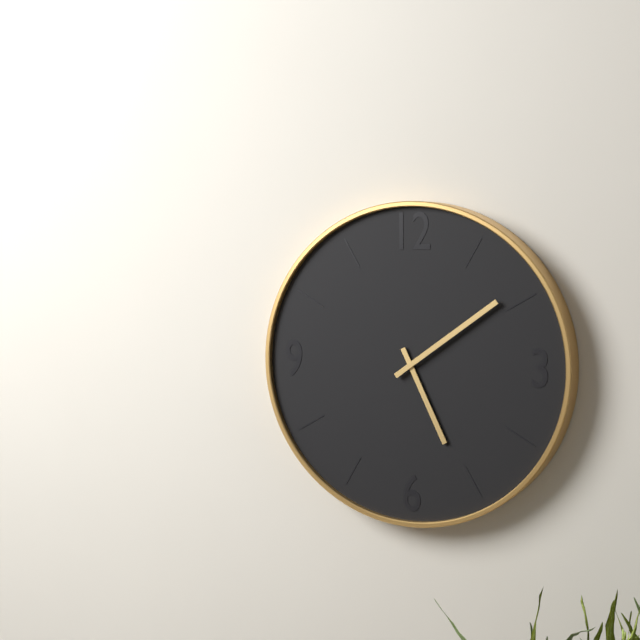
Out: {"hour": 5, "minute": 9}
